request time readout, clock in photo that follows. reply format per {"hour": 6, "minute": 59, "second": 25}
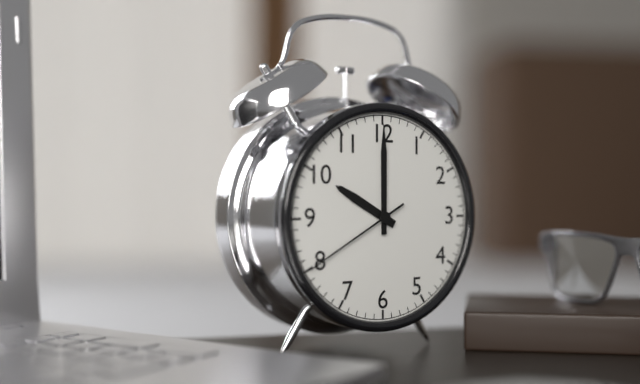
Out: {"hour": 10, "minute": 0, "second": 40}
